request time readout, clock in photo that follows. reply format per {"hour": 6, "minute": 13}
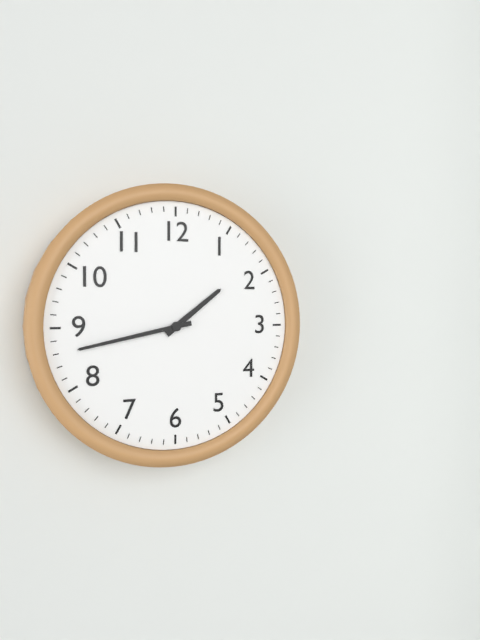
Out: {"hour": 1, "minute": 43}
